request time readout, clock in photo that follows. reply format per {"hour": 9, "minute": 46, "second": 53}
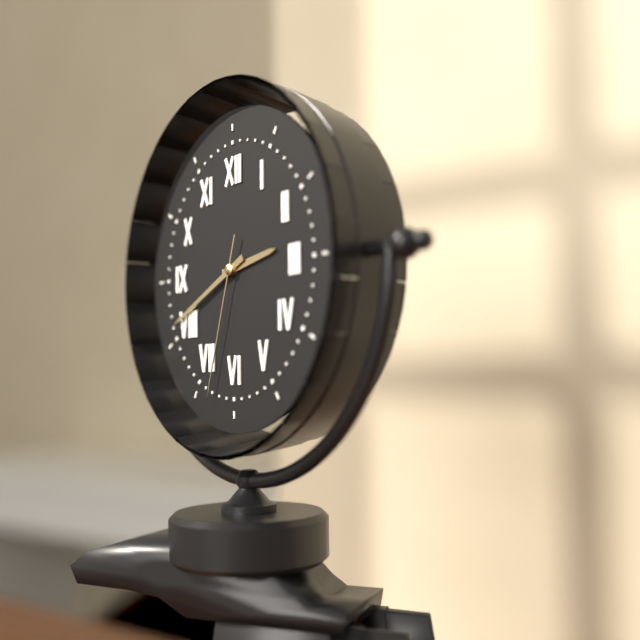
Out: {"hour": 2, "minute": 41, "second": 33}
